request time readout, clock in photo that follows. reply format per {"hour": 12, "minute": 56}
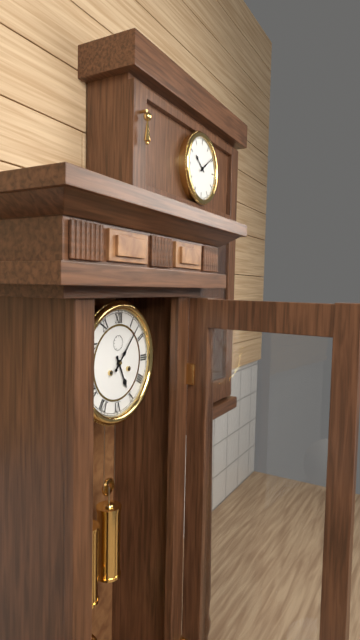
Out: {"hour": 5, "minute": 7}
